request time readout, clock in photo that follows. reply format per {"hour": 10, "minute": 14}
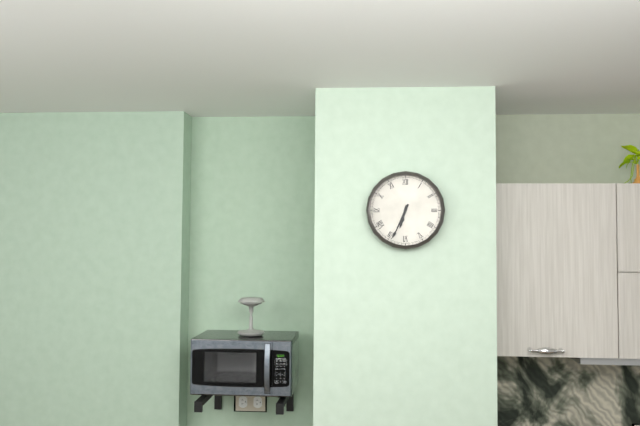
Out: {"hour": 6, "minute": 34}
